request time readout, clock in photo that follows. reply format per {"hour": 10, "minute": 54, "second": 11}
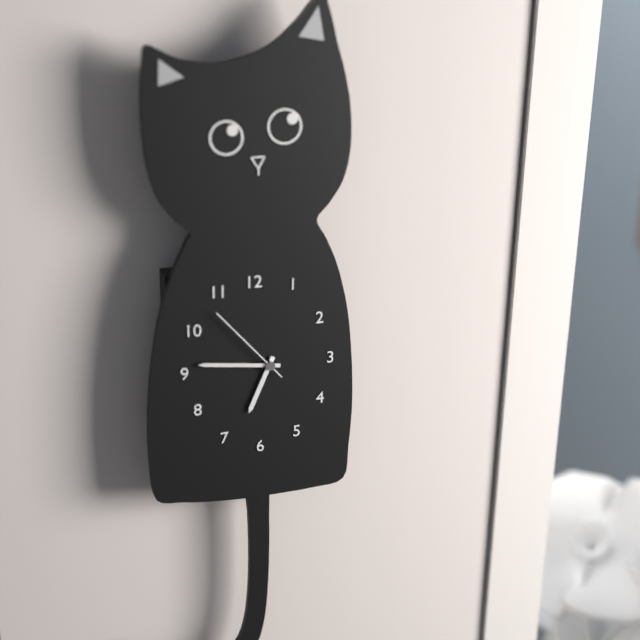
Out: {"hour": 6, "minute": 46, "second": 53}
